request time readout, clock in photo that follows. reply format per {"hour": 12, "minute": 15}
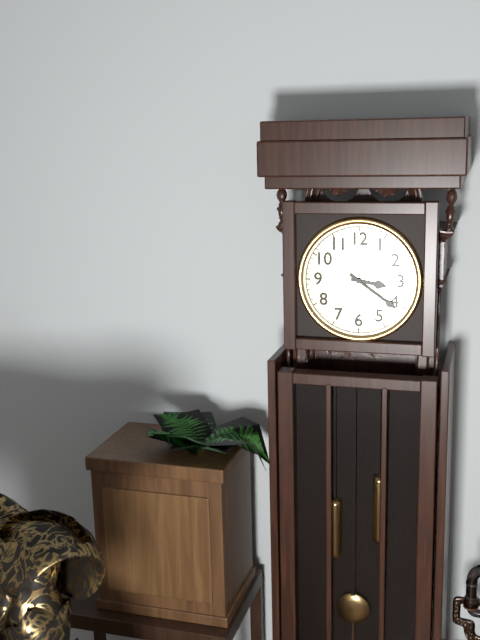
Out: {"hour": 3, "minute": 21}
